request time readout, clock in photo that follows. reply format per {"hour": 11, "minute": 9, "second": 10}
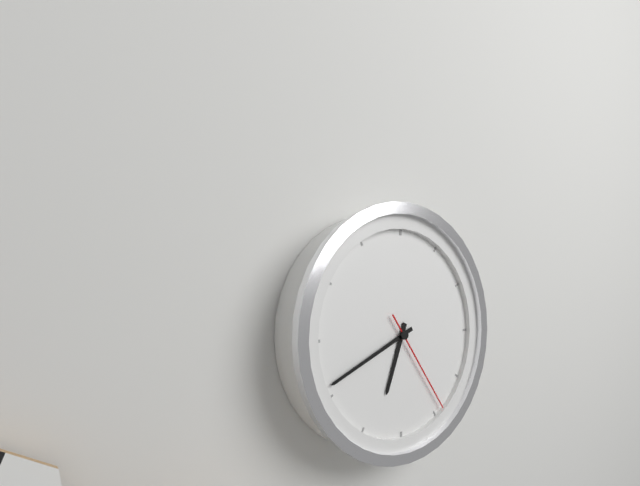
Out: {"hour": 6, "minute": 41, "second": 24}
